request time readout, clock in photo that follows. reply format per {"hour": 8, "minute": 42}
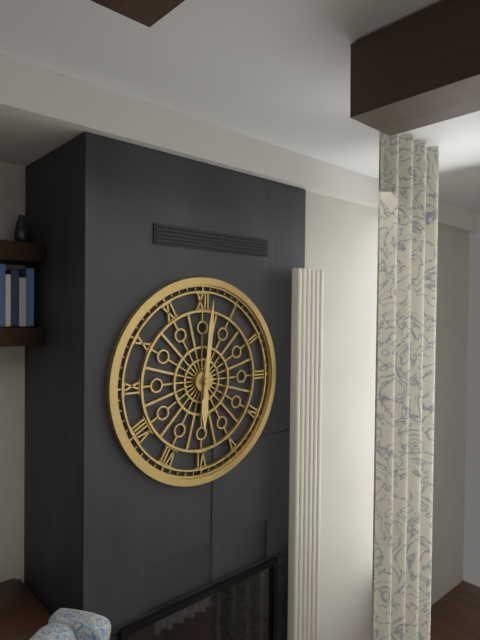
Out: {"hour": 6, "minute": 1}
